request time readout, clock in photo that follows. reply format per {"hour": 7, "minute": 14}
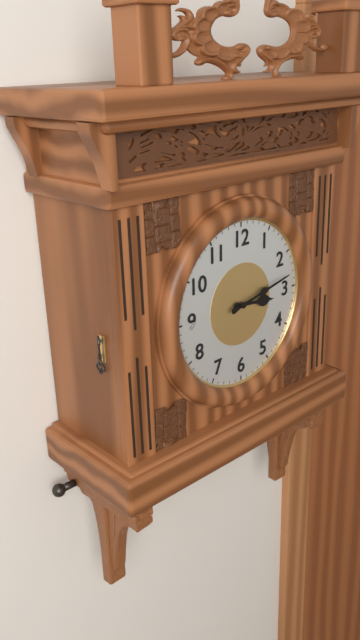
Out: {"hour": 3, "minute": 13}
